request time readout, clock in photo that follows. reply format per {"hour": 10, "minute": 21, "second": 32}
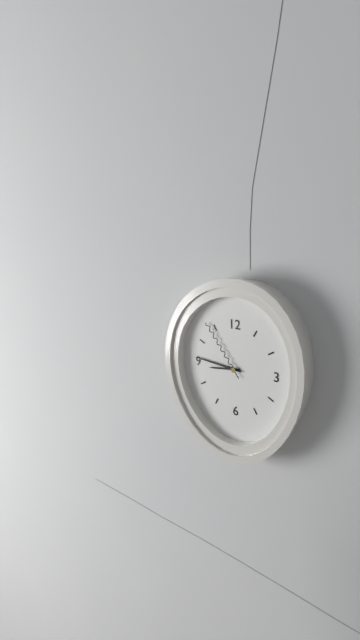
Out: {"hour": 8, "minute": 46, "second": 54}
